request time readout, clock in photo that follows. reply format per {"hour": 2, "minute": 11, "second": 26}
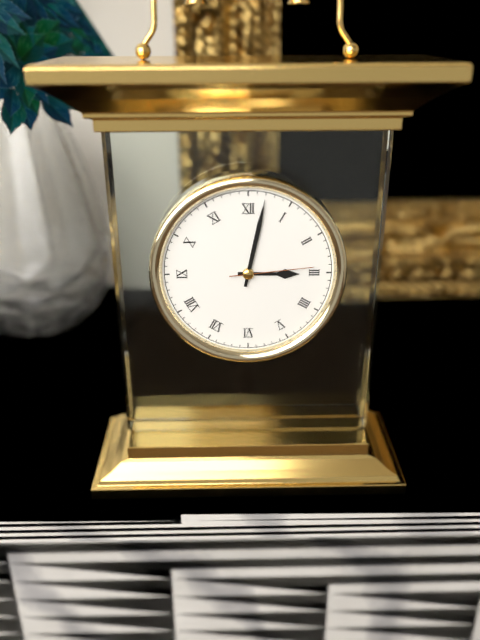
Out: {"hour": 3, "minute": 2, "second": 14}
